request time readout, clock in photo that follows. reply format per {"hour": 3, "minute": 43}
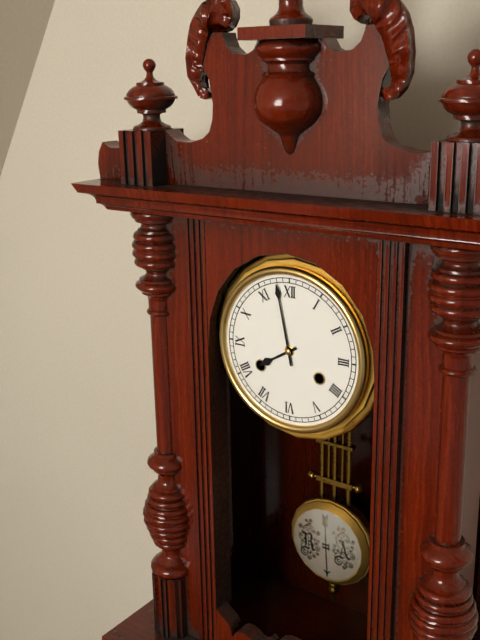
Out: {"hour": 7, "minute": 58}
